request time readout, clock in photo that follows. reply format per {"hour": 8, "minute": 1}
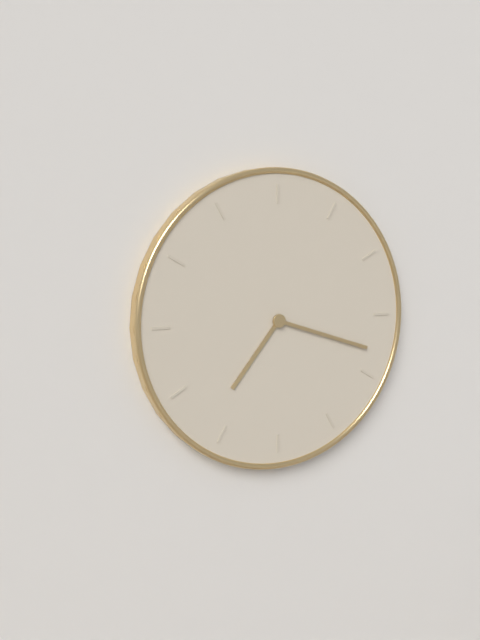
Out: {"hour": 7, "minute": 18}
